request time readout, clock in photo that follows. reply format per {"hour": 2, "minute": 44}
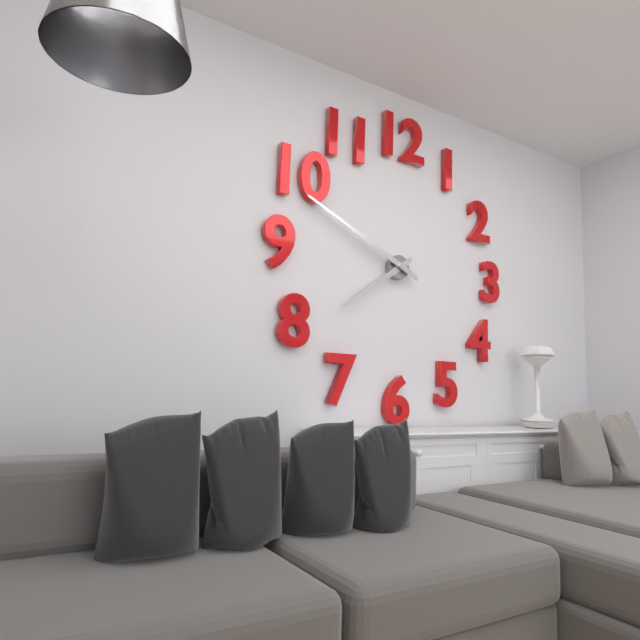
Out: {"hour": 7, "minute": 49}
